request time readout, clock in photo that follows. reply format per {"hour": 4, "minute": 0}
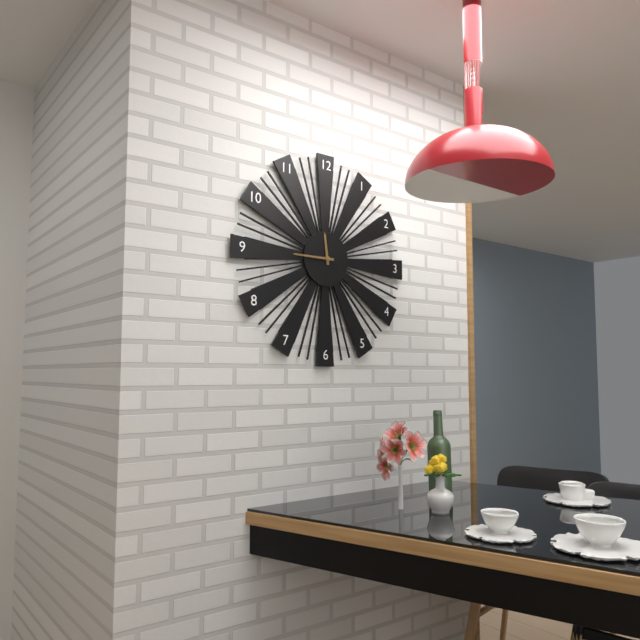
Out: {"hour": 11, "minute": 45}
